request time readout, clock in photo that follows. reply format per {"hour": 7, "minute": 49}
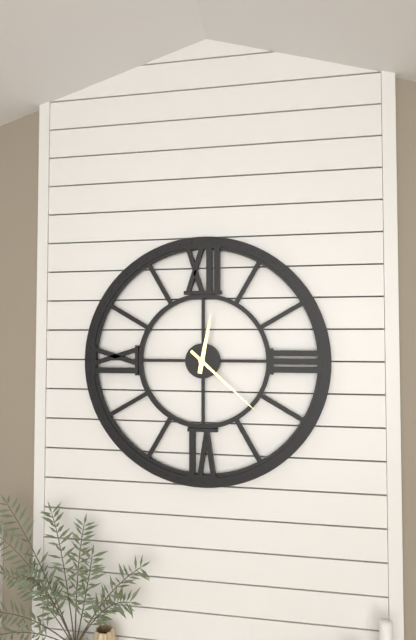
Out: {"hour": 12, "minute": 22}
